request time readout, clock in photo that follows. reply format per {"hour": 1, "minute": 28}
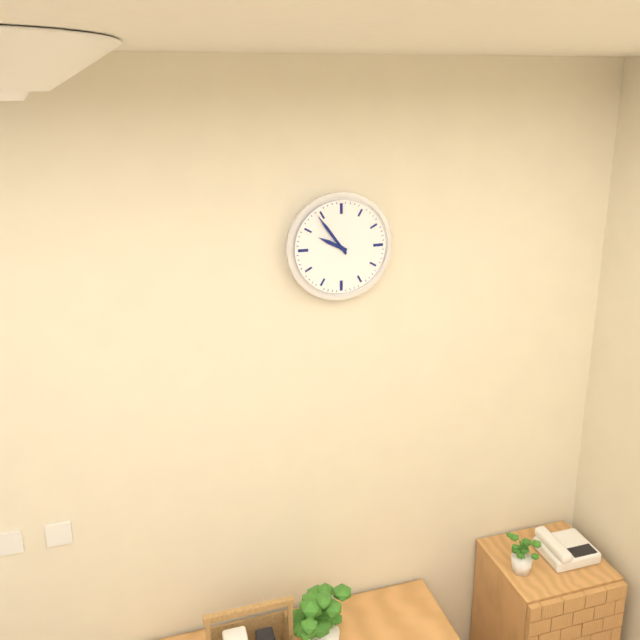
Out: {"hour": 9, "minute": 54}
